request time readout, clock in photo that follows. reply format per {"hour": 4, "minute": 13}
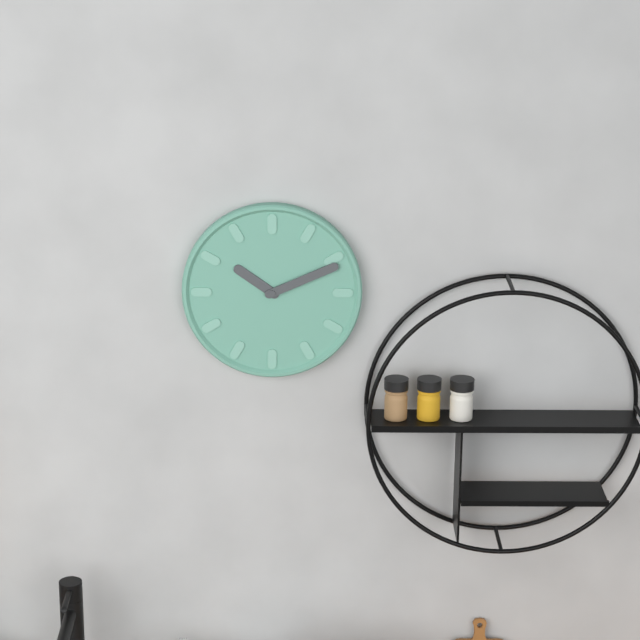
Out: {"hour": 10, "minute": 11}
